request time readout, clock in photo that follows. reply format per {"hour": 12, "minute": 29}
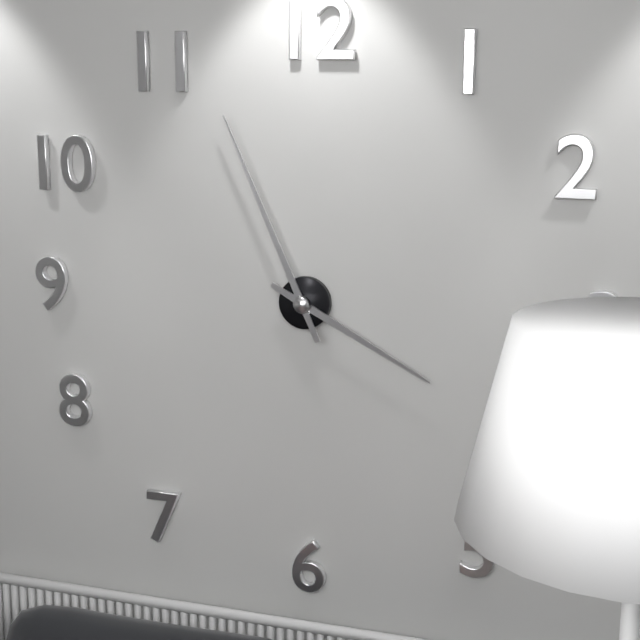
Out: {"hour": 3, "minute": 56}
